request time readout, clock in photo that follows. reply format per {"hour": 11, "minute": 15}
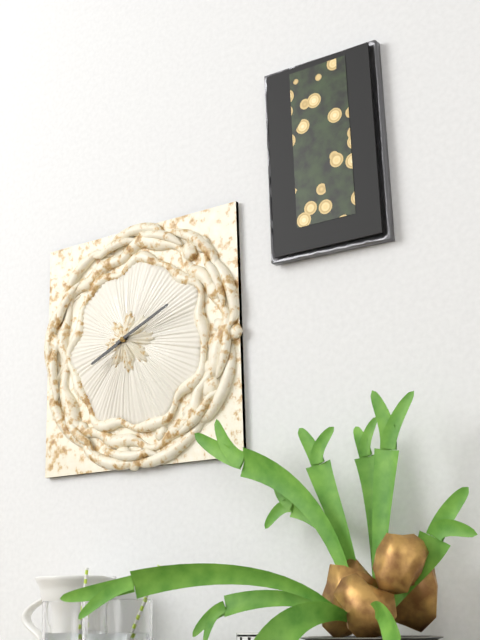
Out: {"hour": 8, "minute": 11}
